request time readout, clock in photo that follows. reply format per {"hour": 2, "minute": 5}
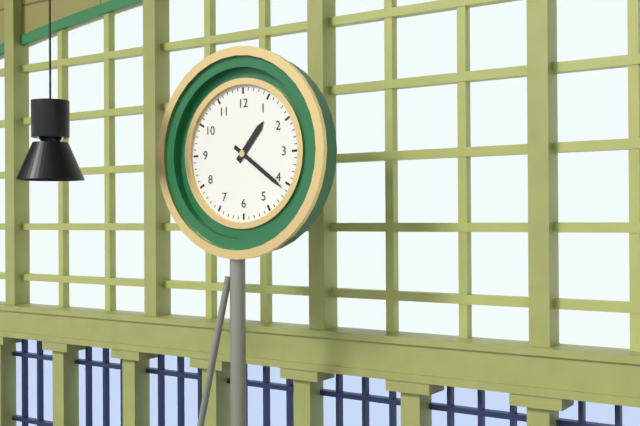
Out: {"hour": 1, "minute": 21}
